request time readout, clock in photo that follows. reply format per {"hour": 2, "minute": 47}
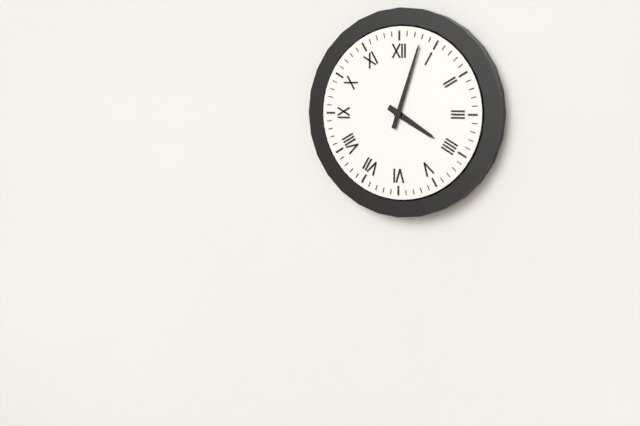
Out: {"hour": 4, "minute": 3}
